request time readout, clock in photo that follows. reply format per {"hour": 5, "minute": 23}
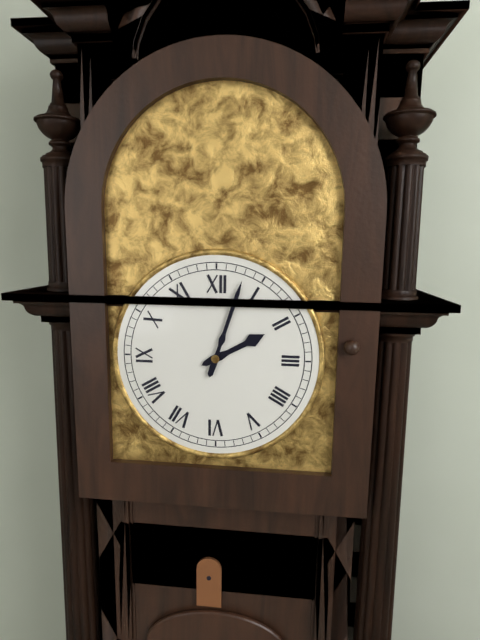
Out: {"hour": 2, "minute": 3}
